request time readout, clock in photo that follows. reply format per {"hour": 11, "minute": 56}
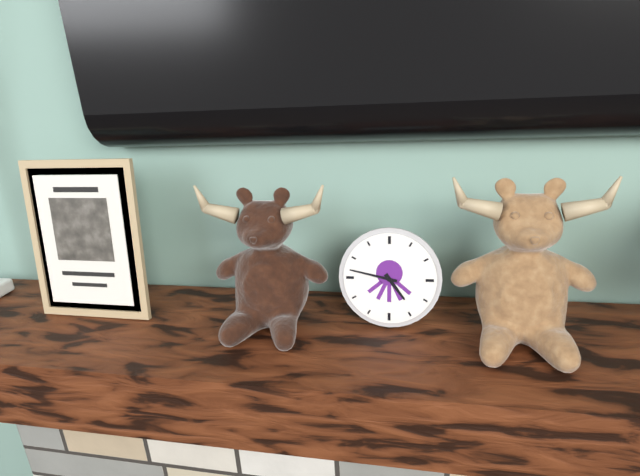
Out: {"hour": 4, "minute": 47}
